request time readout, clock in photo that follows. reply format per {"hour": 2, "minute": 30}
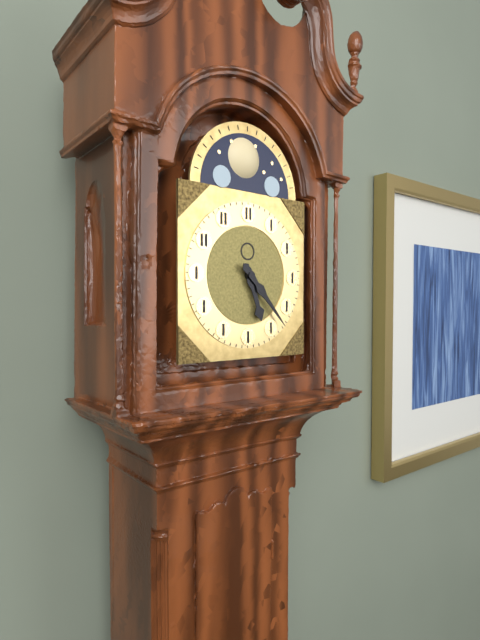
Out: {"hour": 5, "minute": 23}
